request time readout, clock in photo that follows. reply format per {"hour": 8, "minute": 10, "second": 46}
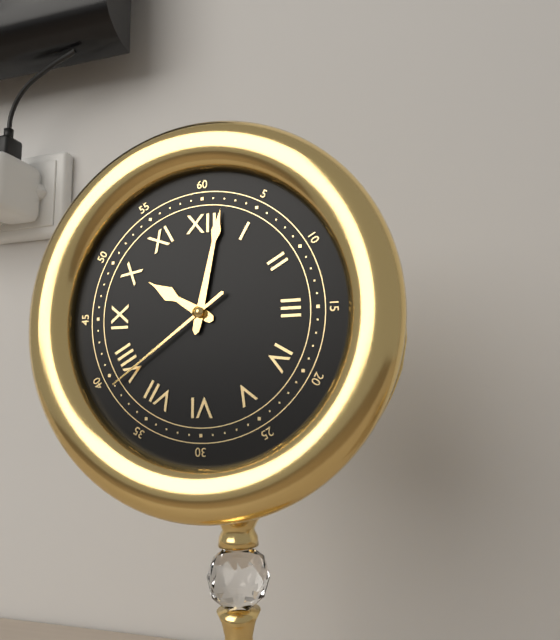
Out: {"hour": 10, "minute": 2, "second": 39}
